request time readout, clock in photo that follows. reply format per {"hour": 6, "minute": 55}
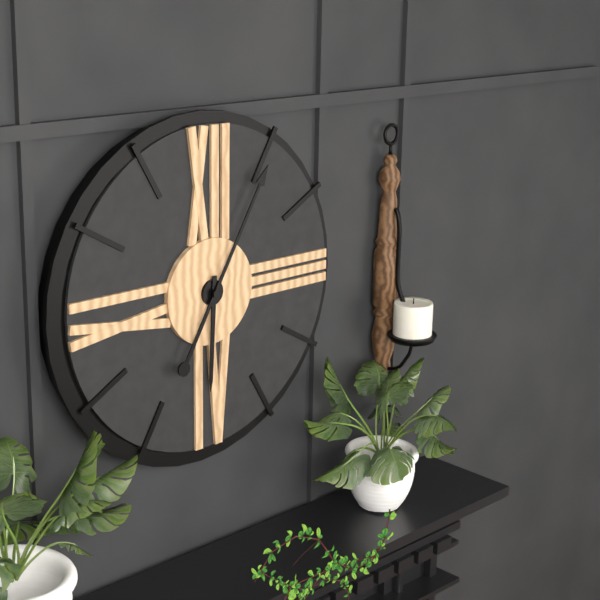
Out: {"hour": 6, "minute": 5}
